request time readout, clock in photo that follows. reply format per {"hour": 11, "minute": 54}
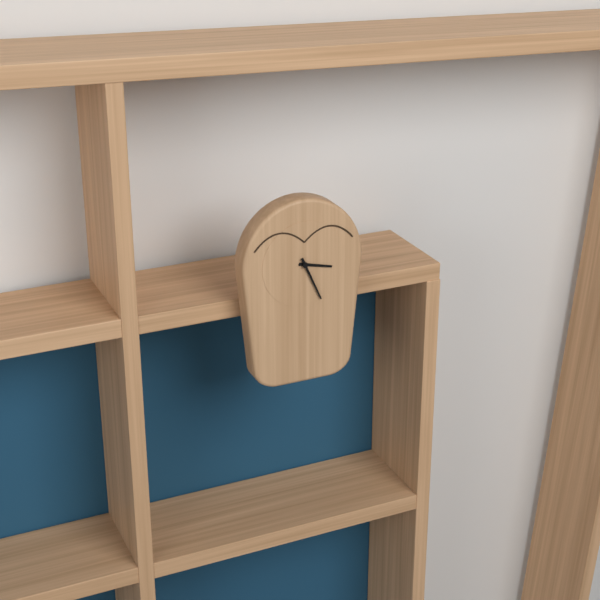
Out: {"hour": 3, "minute": 26}
